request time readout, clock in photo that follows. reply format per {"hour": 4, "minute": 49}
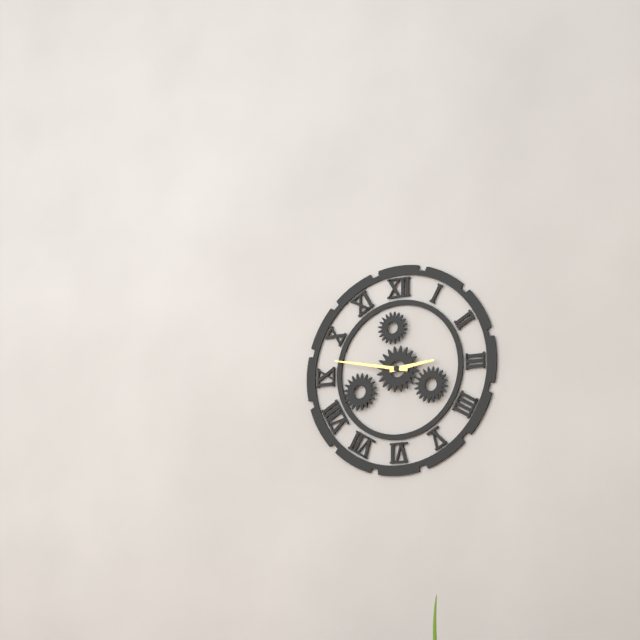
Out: {"hour": 2, "minute": 47}
